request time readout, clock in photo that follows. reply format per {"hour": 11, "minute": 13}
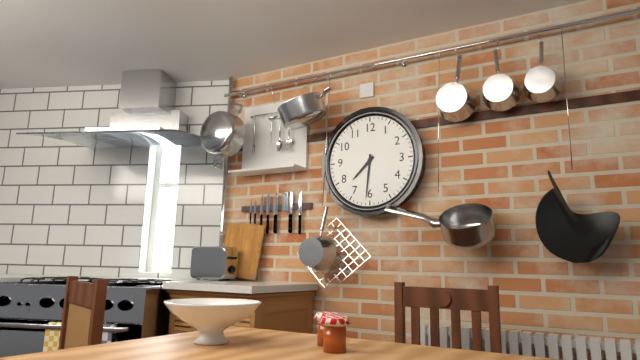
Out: {"hour": 7, "minute": 31}
